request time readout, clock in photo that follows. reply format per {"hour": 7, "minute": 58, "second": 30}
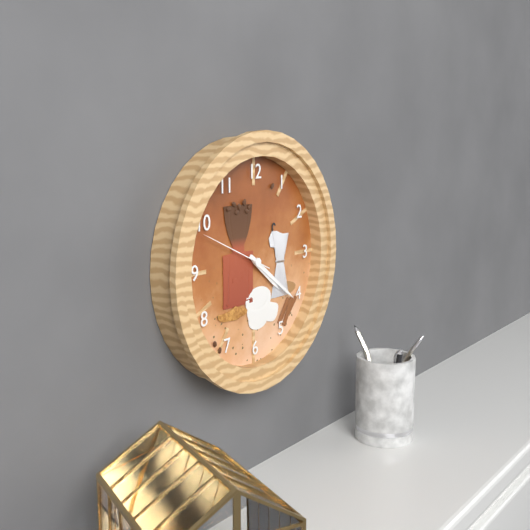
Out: {"hour": 4, "minute": 21, "second": 49}
